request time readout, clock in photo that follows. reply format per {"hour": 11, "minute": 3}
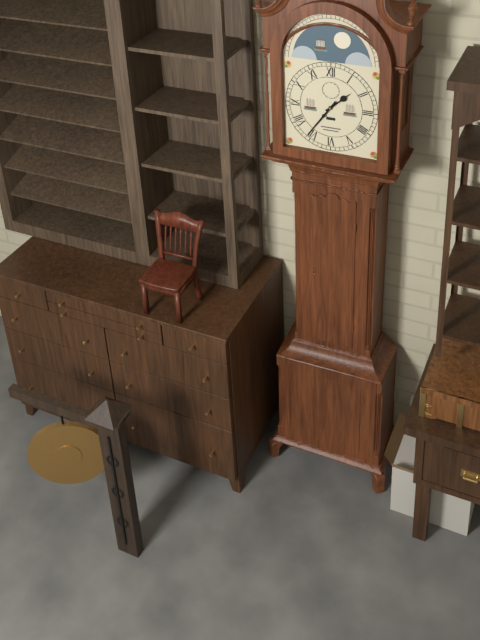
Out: {"hour": 1, "minute": 36}
